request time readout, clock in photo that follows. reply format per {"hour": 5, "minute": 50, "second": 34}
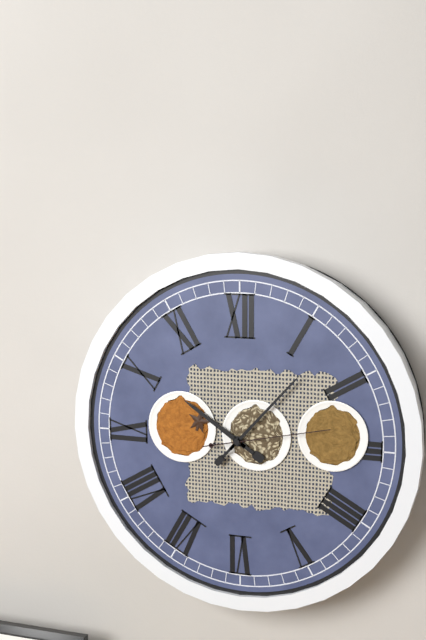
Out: {"hour": 10, "minute": 7, "second": 13}
